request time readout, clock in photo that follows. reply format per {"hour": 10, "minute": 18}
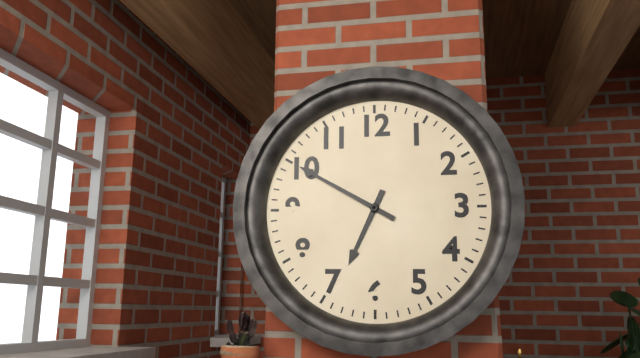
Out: {"hour": 6, "minute": 50}
